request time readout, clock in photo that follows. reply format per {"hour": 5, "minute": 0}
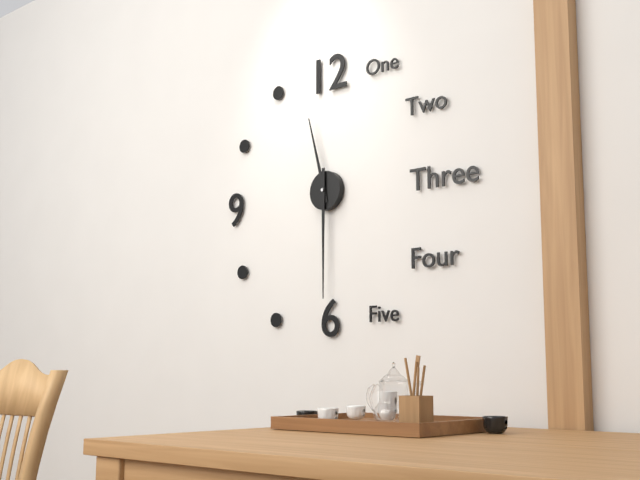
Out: {"hour": 11, "minute": 30}
